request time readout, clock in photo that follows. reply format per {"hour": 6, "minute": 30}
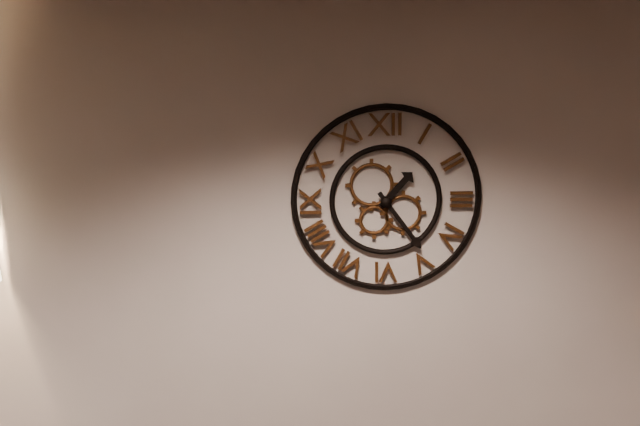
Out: {"hour": 1, "minute": 24}
